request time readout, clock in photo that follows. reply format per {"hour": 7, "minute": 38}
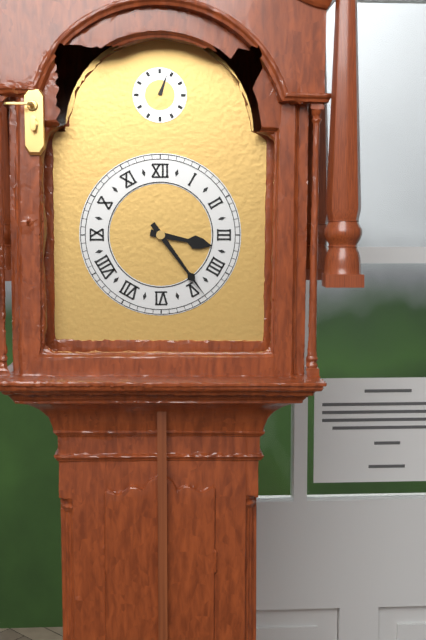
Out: {"hour": 3, "minute": 24}
